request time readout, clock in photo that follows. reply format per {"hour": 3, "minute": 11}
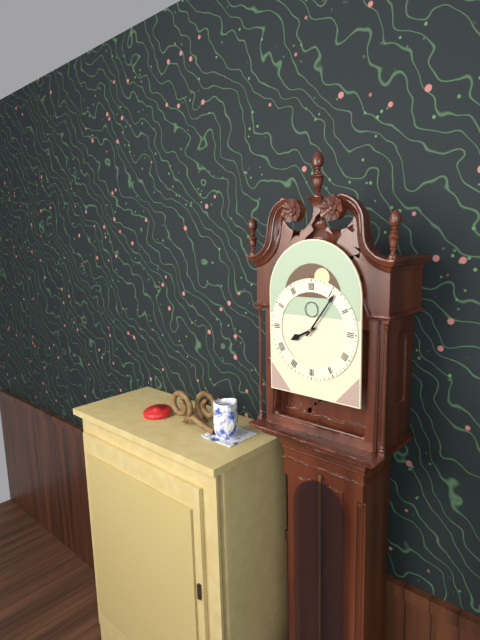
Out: {"hour": 8, "minute": 6}
